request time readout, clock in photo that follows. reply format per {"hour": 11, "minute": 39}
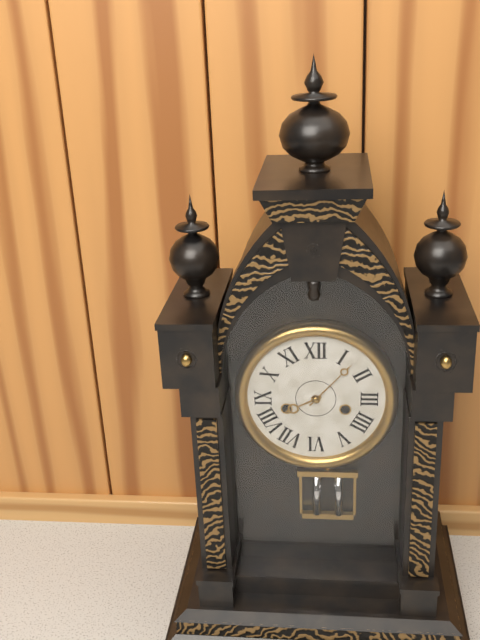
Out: {"hour": 8, "minute": 7}
